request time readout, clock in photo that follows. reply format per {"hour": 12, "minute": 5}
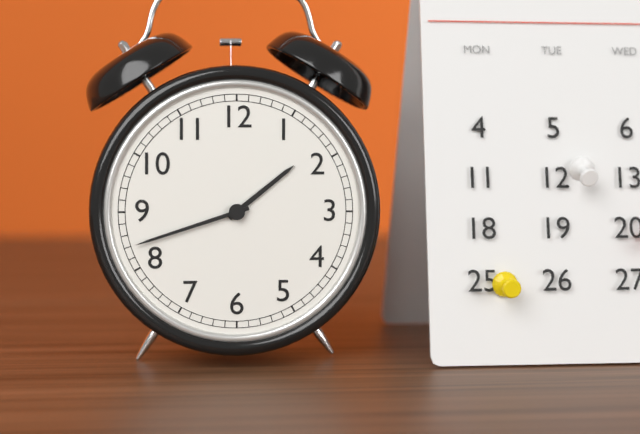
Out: {"hour": 1, "minute": 42}
